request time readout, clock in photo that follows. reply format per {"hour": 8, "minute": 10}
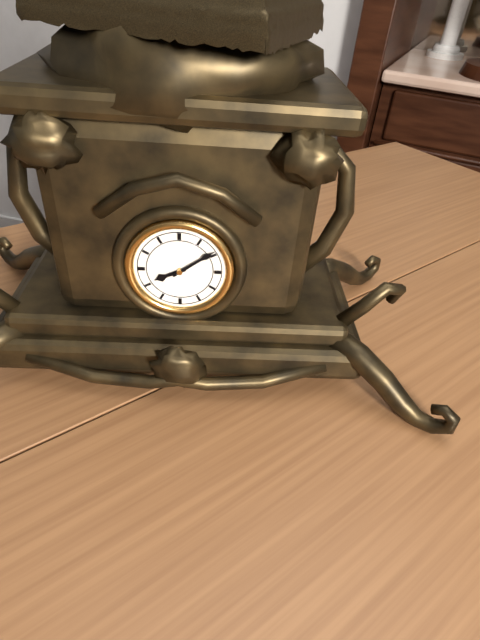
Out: {"hour": 8, "minute": 9}
